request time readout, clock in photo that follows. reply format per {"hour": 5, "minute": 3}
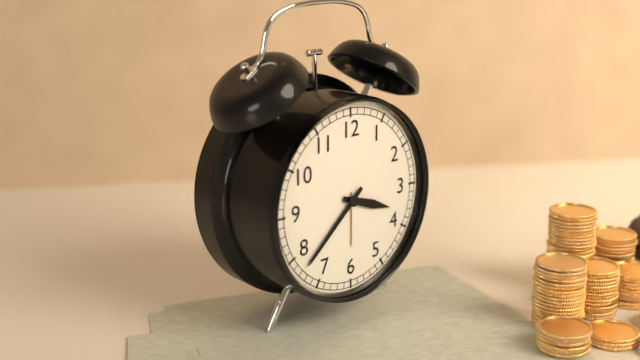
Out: {"hour": 3, "minute": 38}
